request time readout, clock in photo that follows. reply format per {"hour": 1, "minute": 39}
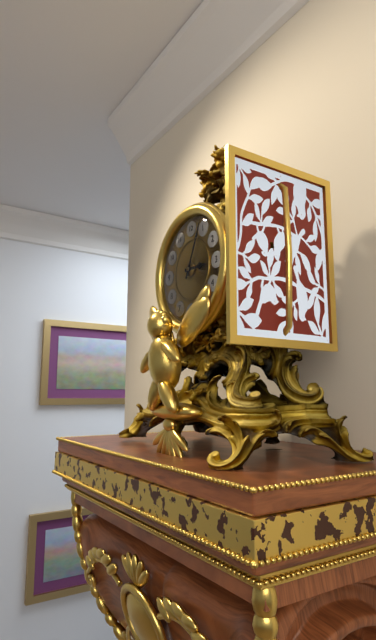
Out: {"hour": 3, "minute": 4}
